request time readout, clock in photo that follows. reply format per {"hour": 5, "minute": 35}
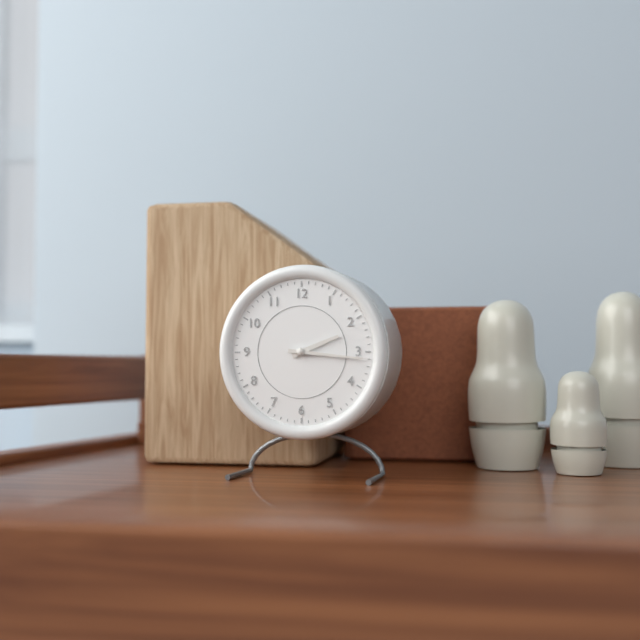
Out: {"hour": 2, "minute": 16}
